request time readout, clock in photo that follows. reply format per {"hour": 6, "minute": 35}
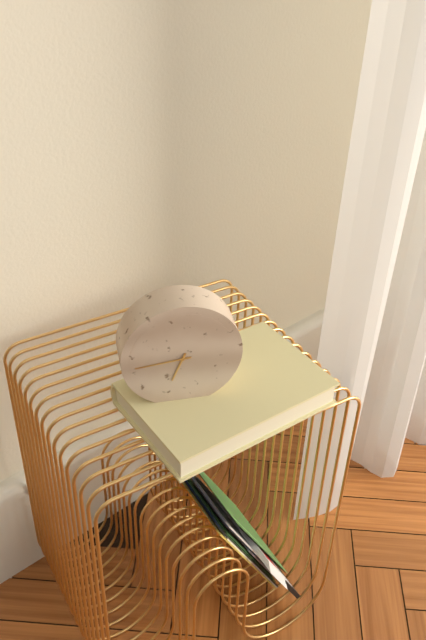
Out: {"hour": 6, "minute": 44}
